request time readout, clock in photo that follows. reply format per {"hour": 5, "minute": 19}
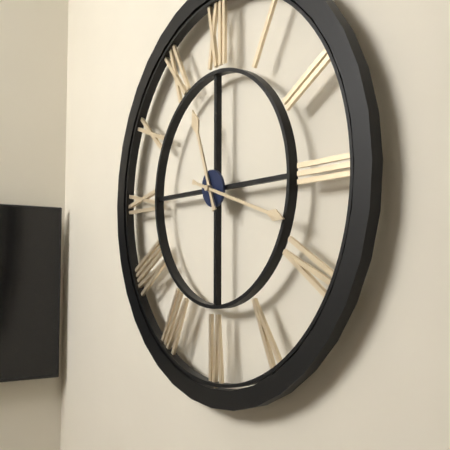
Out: {"hour": 11, "minute": 18}
